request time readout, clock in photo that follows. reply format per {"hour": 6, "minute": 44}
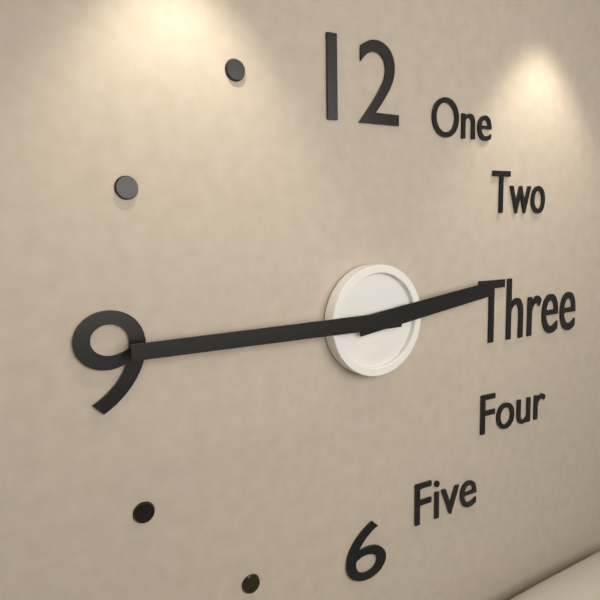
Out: {"hour": 2, "minute": 45}
